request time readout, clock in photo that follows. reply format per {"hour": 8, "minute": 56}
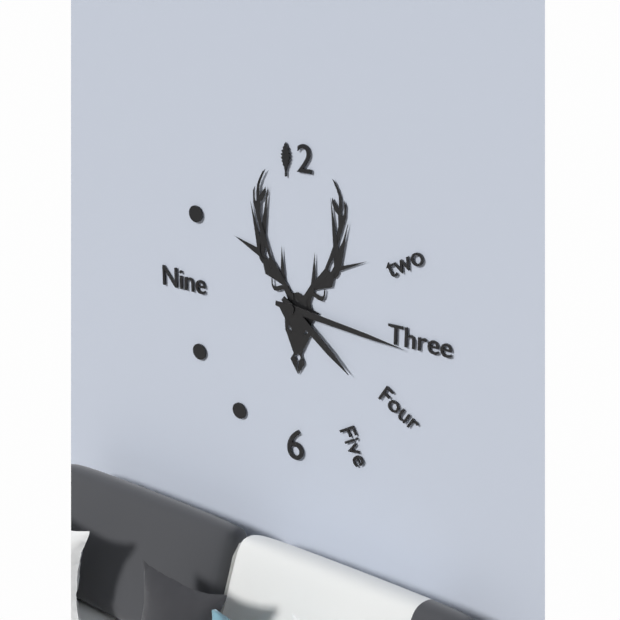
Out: {"hour": 4, "minute": 16}
